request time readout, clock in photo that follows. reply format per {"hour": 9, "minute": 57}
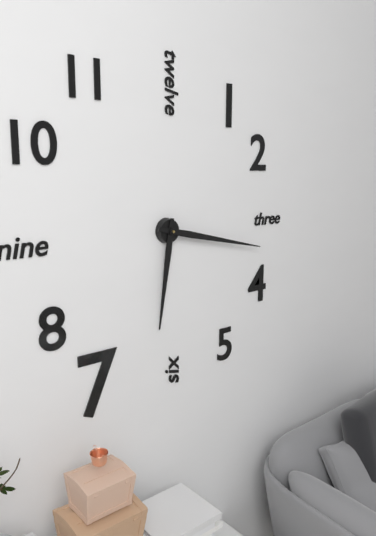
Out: {"hour": 6, "minute": 17}
